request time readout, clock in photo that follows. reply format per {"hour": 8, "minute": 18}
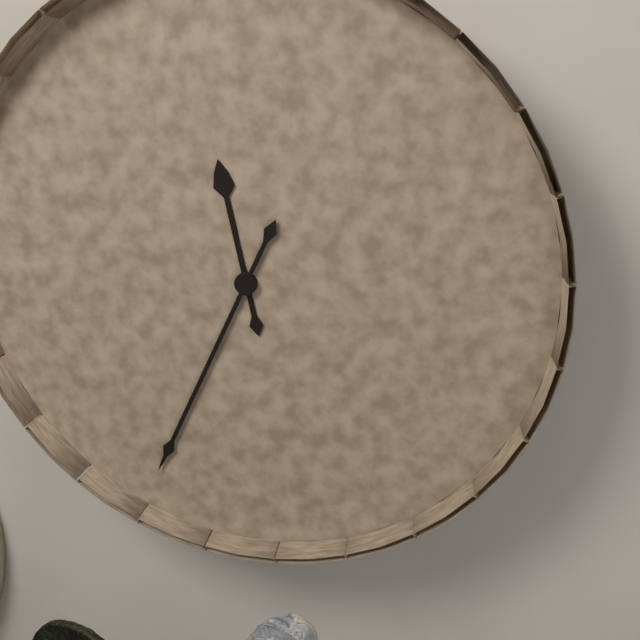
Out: {"hour": 11, "minute": 34}
